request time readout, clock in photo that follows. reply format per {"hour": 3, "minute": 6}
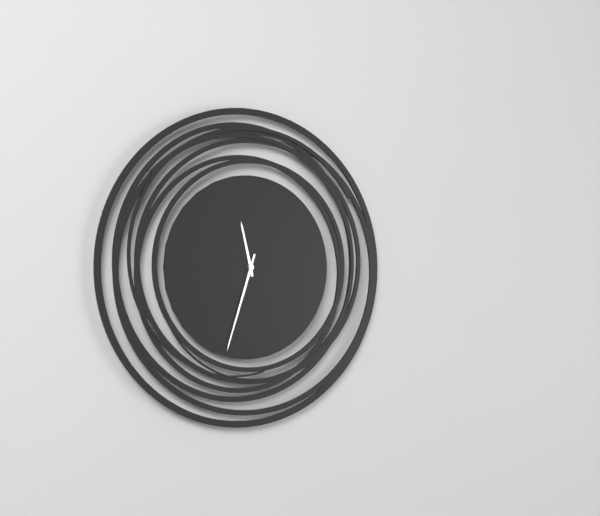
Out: {"hour": 11, "minute": 33}
